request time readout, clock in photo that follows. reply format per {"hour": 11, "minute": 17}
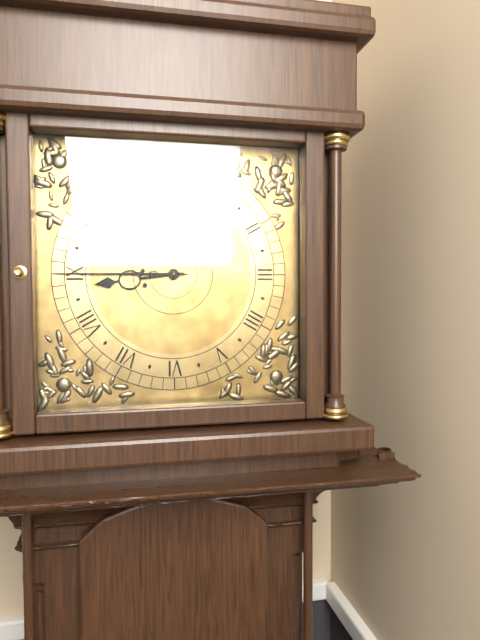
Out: {"hour": 8, "minute": 45}
